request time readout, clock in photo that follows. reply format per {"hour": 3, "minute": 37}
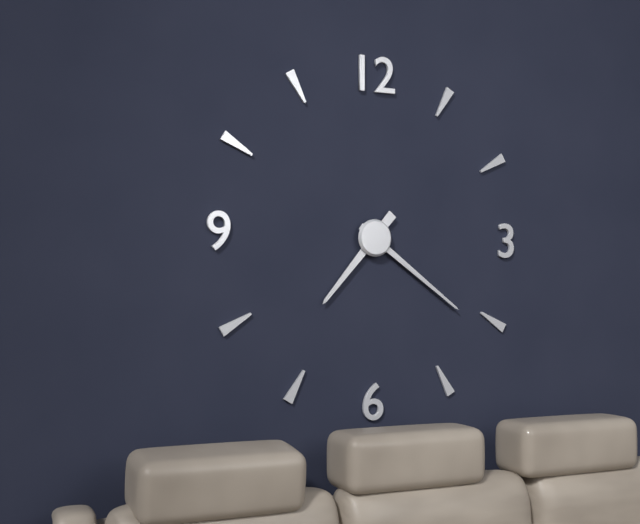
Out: {"hour": 7, "minute": 21}
